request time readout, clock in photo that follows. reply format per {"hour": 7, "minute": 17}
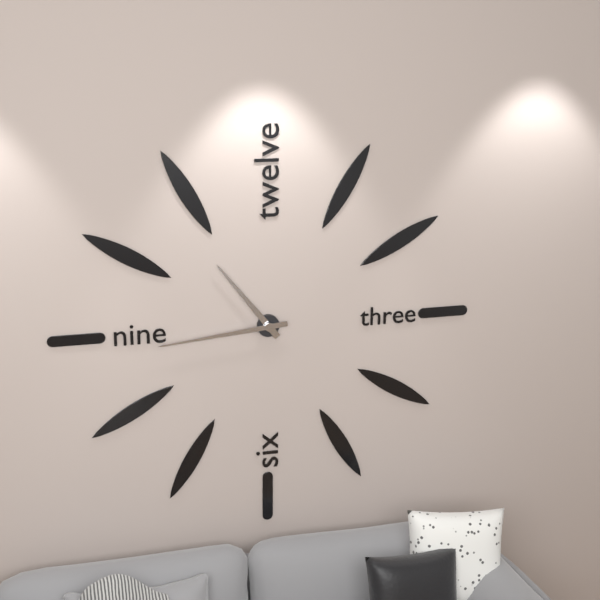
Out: {"hour": 10, "minute": 44}
